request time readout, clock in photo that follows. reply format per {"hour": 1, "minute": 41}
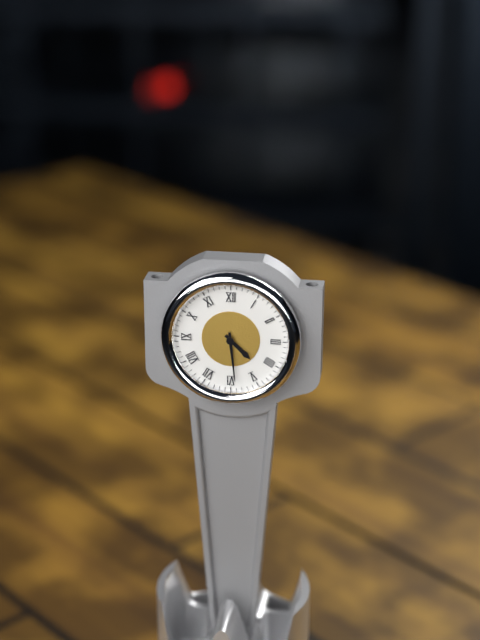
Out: {"hour": 4, "minute": 29}
